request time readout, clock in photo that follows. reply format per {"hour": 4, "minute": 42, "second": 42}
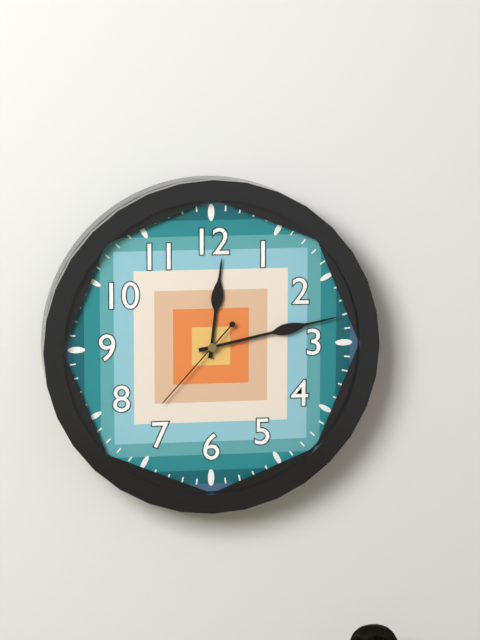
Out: {"hour": 12, "minute": 13, "second": 37}
